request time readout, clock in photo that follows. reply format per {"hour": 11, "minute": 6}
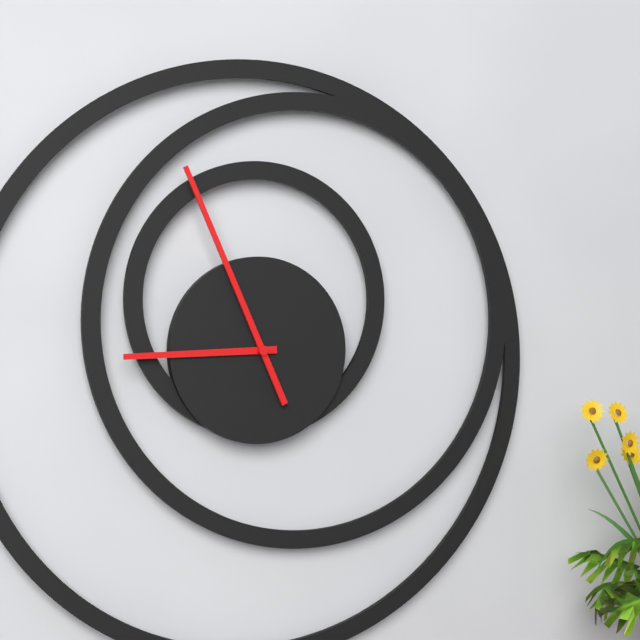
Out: {"hour": 8, "minute": 56}
